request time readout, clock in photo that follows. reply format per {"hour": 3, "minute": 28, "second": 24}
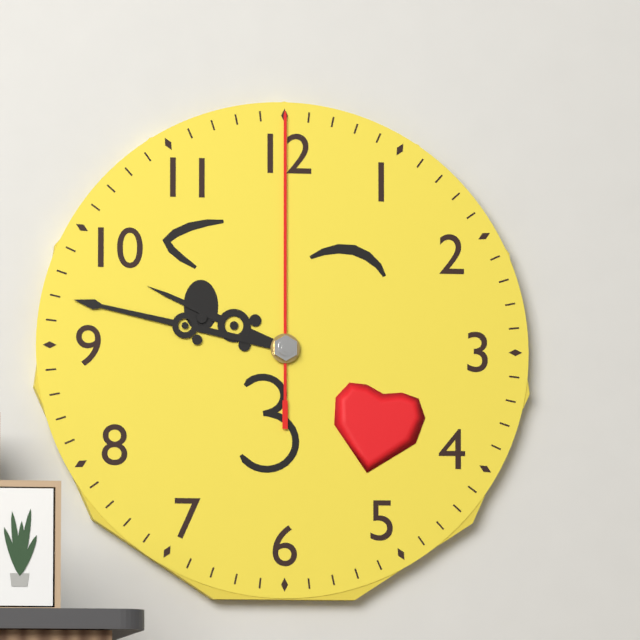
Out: {"hour": 9, "minute": 47, "second": 0}
